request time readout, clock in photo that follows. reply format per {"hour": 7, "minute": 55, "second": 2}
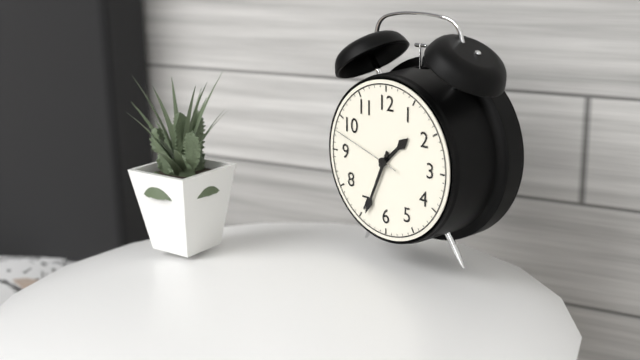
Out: {"hour": 1, "minute": 34, "second": 48}
